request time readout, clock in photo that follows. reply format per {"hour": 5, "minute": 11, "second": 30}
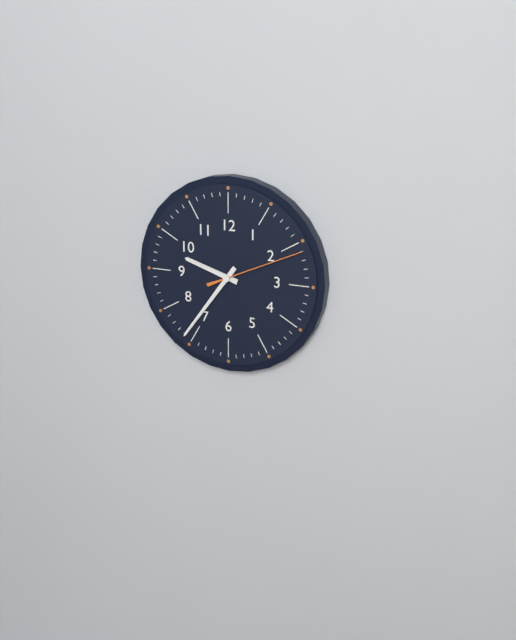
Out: {"hour": 9, "minute": 36, "second": 11}
